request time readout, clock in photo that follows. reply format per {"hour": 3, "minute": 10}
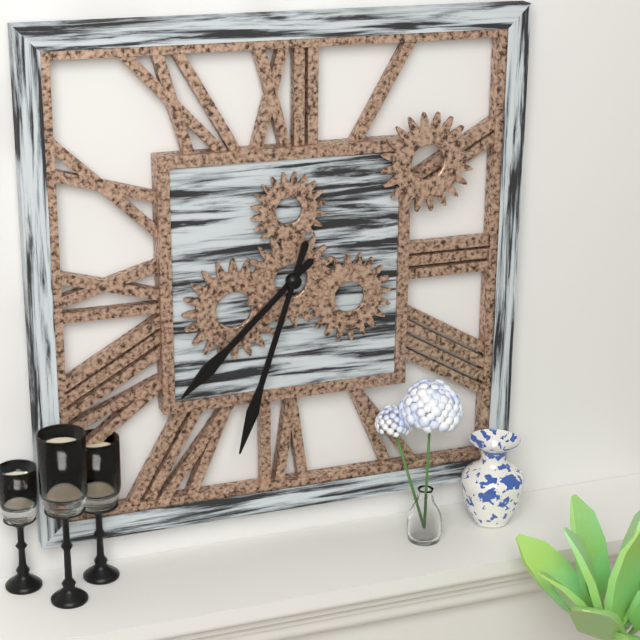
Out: {"hour": 7, "minute": 33}
